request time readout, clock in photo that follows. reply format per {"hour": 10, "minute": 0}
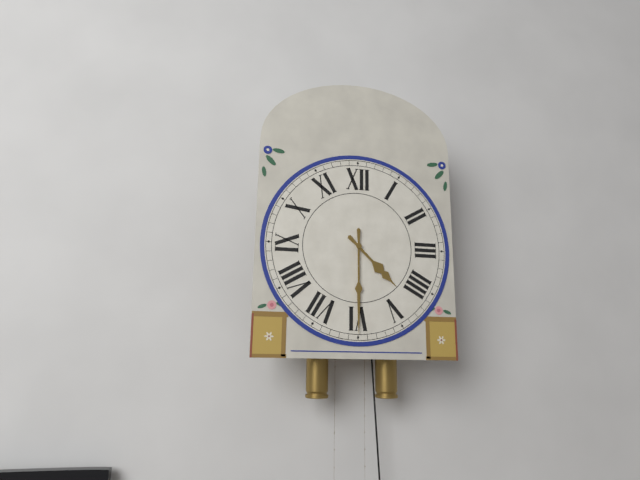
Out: {"hour": 4, "minute": 30}
